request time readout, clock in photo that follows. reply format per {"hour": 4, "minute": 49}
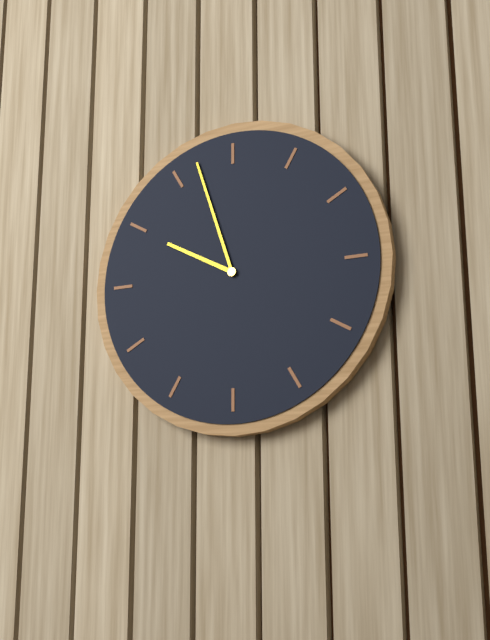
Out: {"hour": 9, "minute": 57}
